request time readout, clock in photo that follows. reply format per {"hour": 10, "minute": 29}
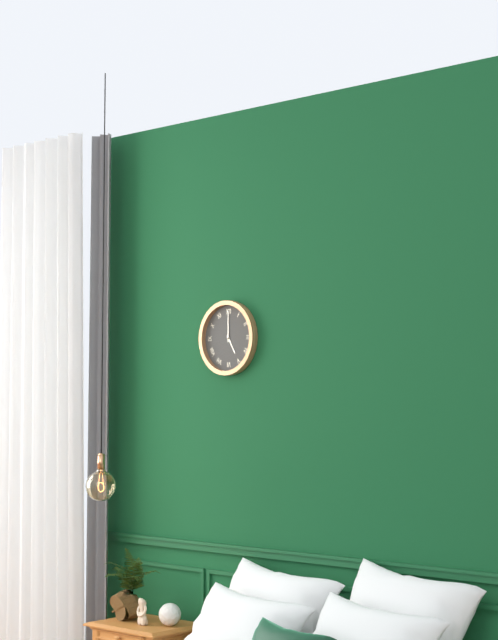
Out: {"hour": 5, "minute": 0}
